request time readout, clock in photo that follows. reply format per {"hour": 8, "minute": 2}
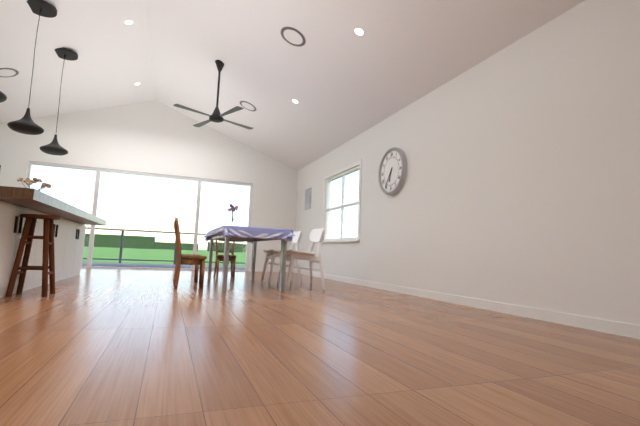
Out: {"hour": 6, "minute": 36}
